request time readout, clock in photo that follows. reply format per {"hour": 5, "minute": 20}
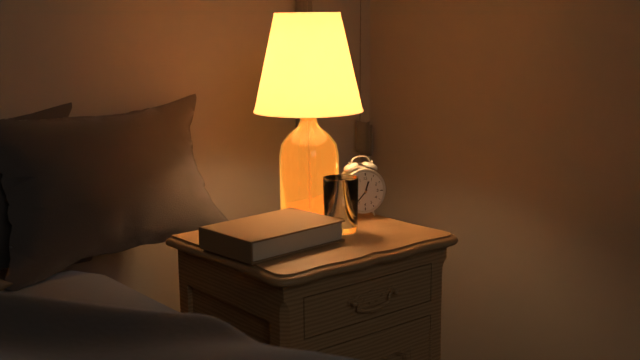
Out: {"hour": 12, "minute": 37}
